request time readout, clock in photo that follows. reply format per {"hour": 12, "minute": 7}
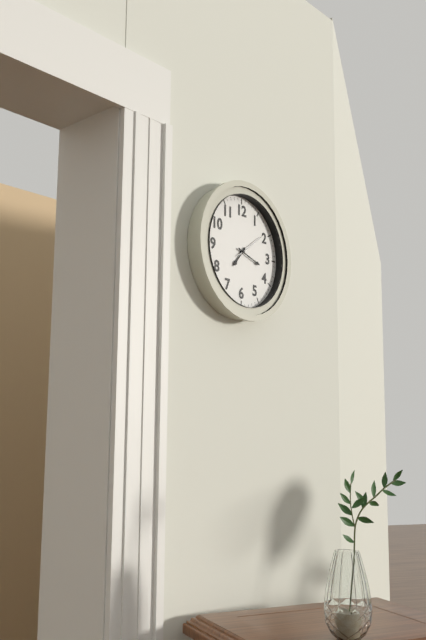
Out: {"hour": 7, "minute": 18}
